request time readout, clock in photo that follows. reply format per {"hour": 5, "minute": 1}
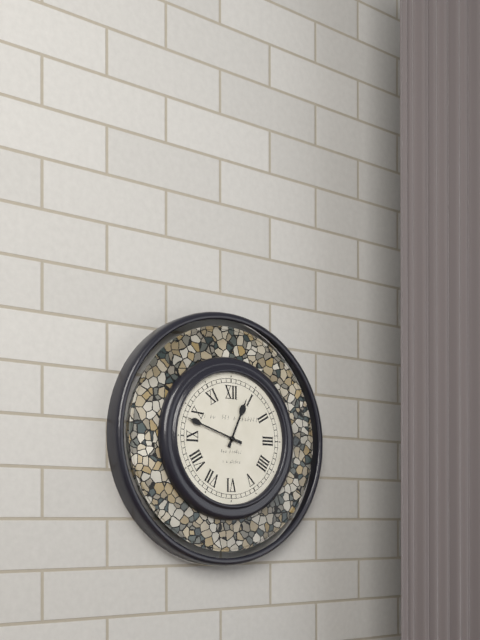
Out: {"hour": 12, "minute": 48}
